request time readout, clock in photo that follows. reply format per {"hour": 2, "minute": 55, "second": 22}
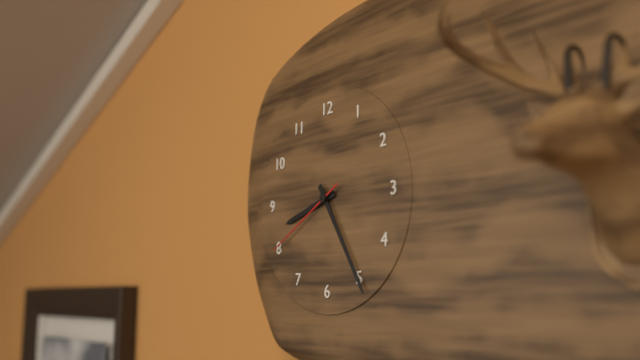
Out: {"hour": 8, "minute": 25, "second": 40}
